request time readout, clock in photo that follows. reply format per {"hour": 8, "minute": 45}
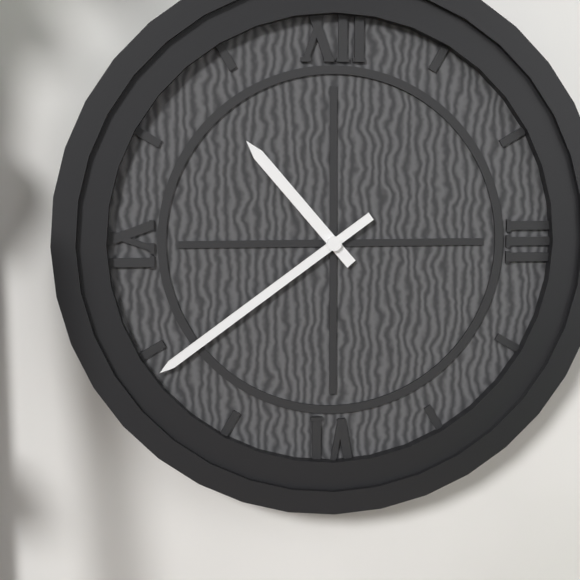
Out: {"hour": 10, "minute": 39}
